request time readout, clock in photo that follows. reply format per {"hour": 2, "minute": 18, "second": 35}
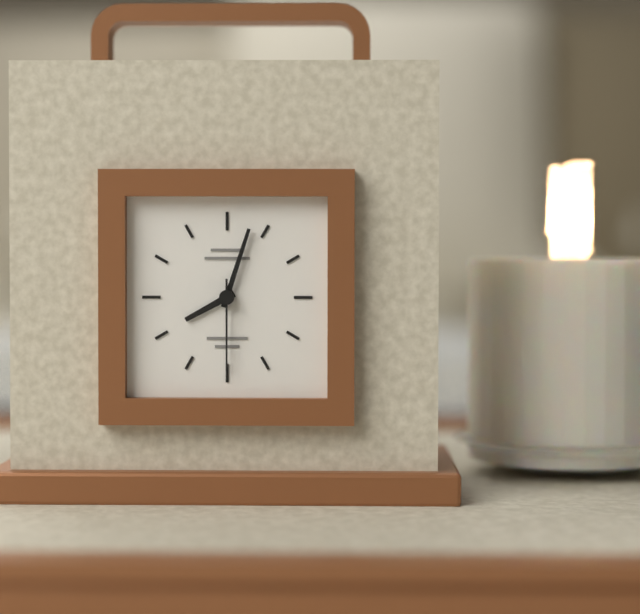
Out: {"hour": 8, "minute": 3, "second": 30}
